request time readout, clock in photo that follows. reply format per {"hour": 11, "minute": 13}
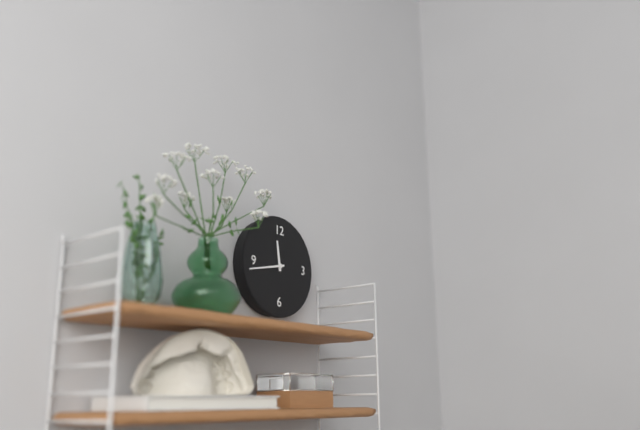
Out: {"hour": 11, "minute": 43}
